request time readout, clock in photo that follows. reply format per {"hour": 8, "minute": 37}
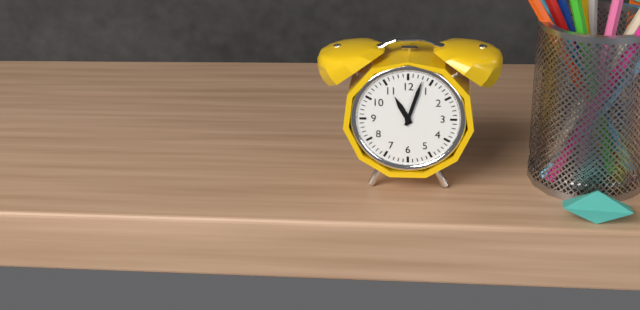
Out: {"hour": 11, "minute": 3}
